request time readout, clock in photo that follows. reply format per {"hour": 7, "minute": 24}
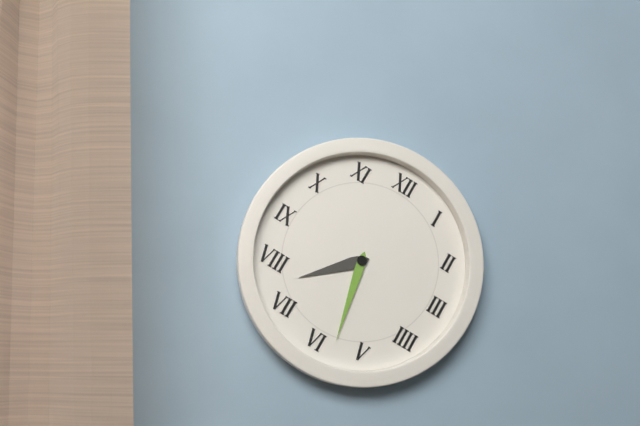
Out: {"hour": 7, "minute": 28}
